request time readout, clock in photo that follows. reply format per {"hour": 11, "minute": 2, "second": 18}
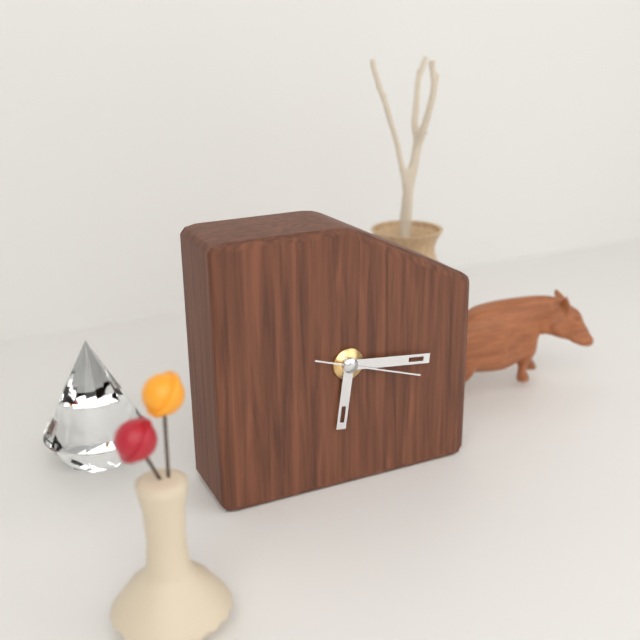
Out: {"hour": 6, "minute": 16, "second": 18}
